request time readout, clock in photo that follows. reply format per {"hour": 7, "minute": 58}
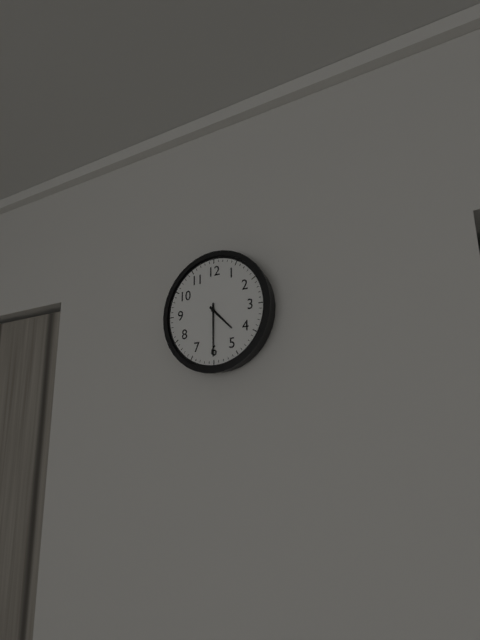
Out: {"hour": 4, "minute": 30}
